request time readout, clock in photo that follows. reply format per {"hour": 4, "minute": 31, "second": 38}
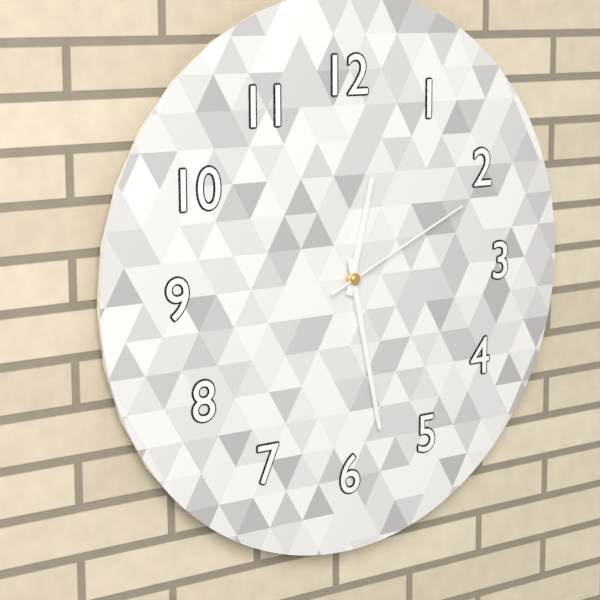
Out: {"hour": 12, "minute": 28, "second": 11}
